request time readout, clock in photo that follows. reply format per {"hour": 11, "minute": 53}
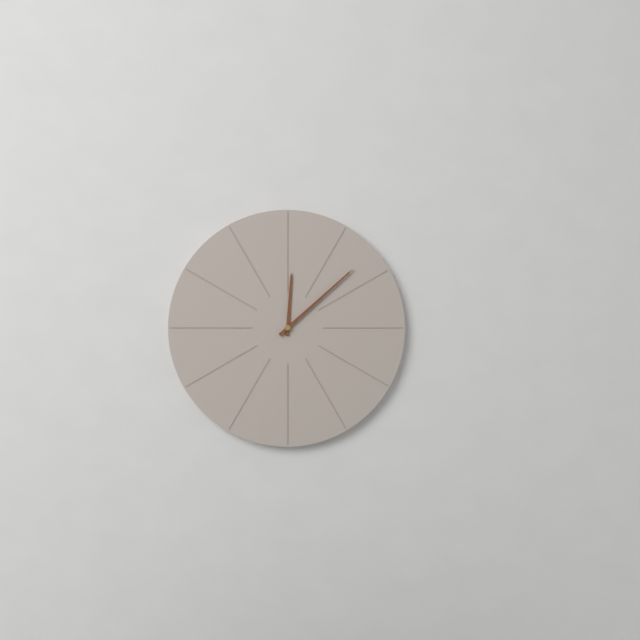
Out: {"hour": 12, "minute": 8}
